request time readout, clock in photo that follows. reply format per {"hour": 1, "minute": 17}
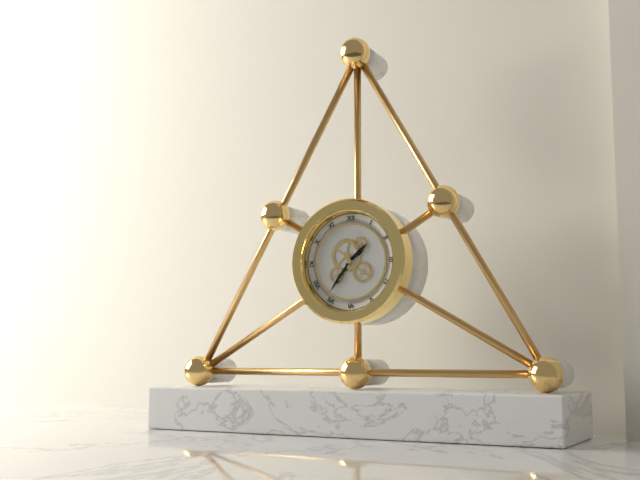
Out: {"hour": 1, "minute": 36}
